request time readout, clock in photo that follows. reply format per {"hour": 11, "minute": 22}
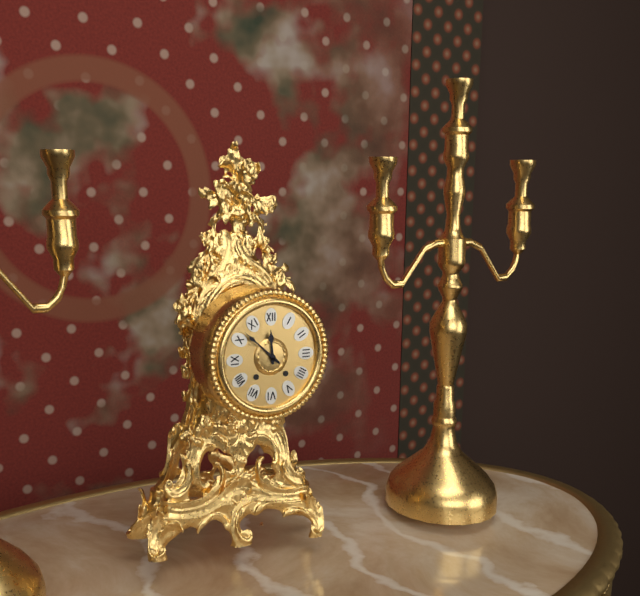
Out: {"hour": 11, "minute": 52}
